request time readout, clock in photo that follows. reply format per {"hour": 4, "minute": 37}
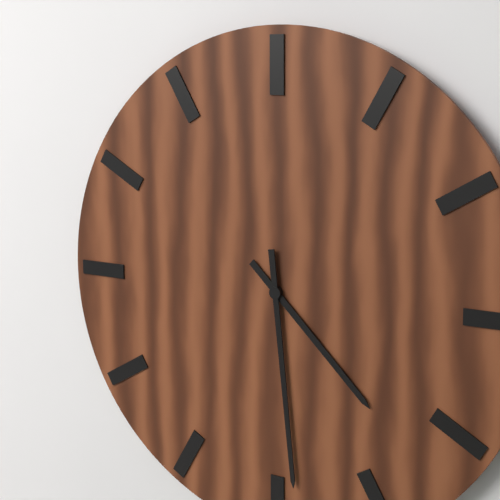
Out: {"hour": 4, "minute": 29}
